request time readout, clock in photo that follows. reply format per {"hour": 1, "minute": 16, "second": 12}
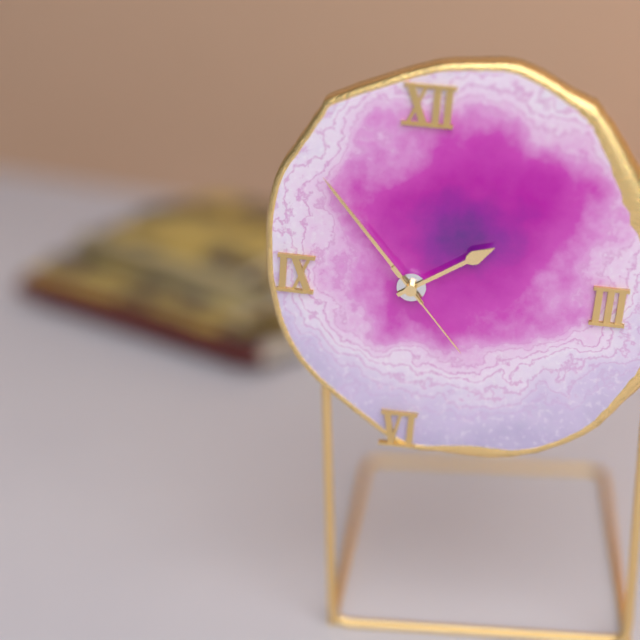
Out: {"hour": 1, "minute": 53, "second": 23}
